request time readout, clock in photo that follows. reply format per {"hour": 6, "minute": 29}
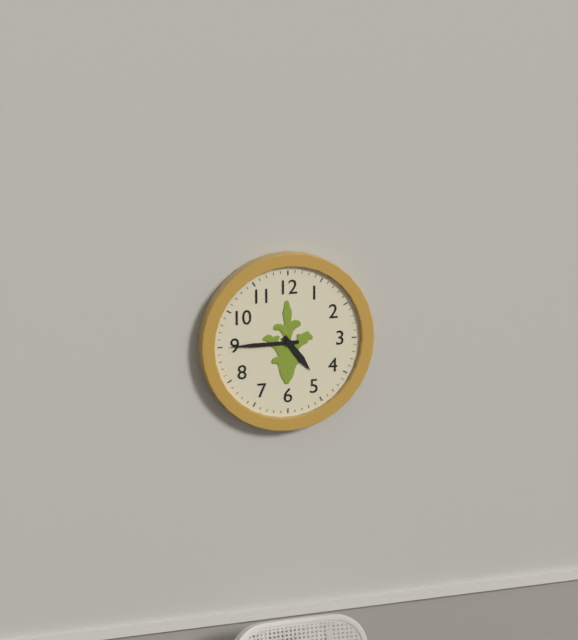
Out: {"hour": 4, "minute": 45}
